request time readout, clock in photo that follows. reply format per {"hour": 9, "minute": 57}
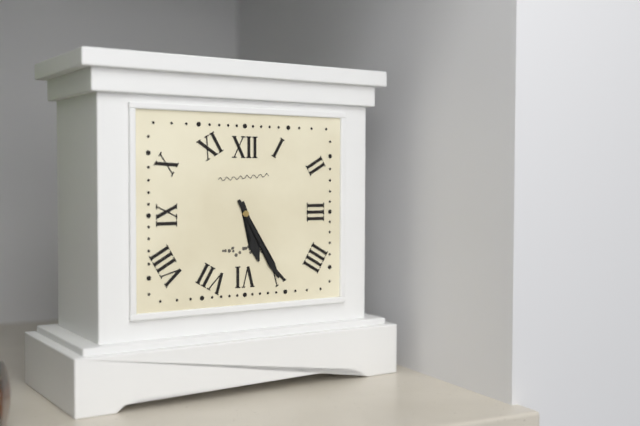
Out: {"hour": 5, "minute": 25}
